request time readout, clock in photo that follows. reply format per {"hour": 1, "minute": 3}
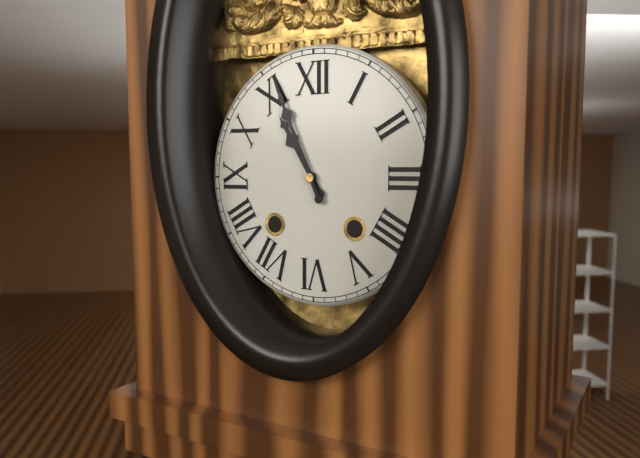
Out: {"hour": 10, "minute": 56}
